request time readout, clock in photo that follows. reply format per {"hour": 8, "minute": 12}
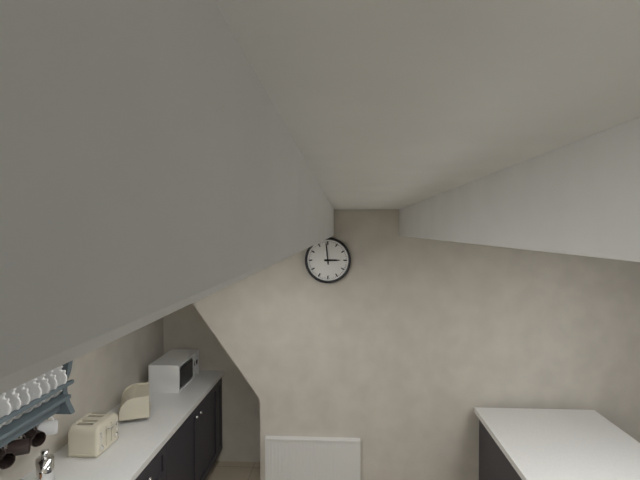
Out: {"hour": 2, "minute": 59}
